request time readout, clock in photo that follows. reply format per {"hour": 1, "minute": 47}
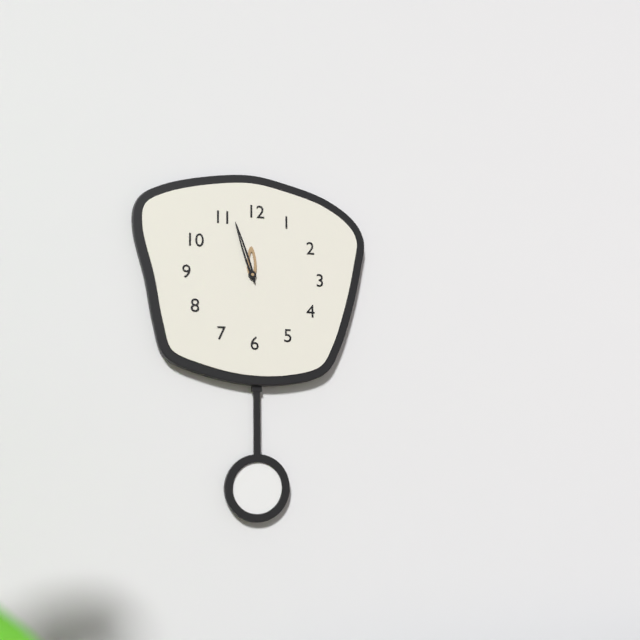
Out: {"hour": 11, "minute": 57}
